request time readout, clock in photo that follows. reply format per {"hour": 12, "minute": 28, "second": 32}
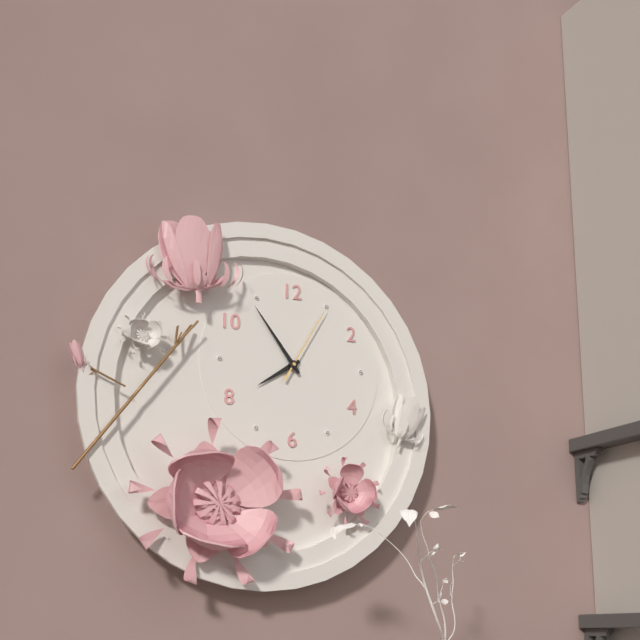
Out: {"hour": 7, "minute": 54, "second": 5}
